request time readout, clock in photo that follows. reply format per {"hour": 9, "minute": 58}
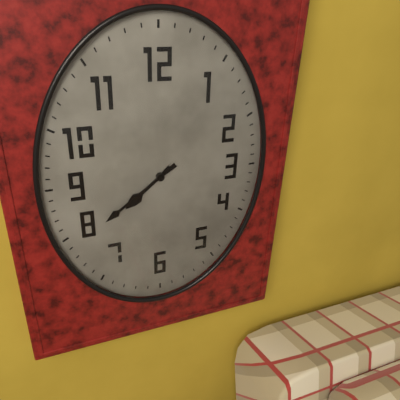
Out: {"hour": 7, "minute": 39}
